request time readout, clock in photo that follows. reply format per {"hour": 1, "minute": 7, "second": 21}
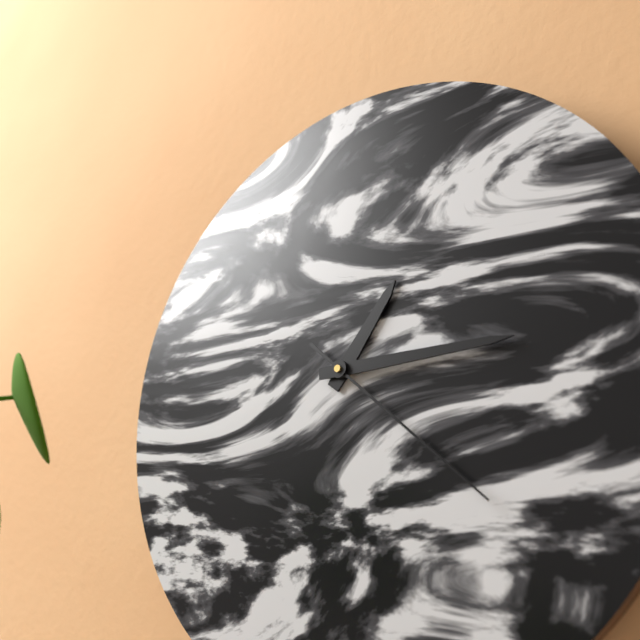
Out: {"hour": 1, "minute": 15, "second": 22}
